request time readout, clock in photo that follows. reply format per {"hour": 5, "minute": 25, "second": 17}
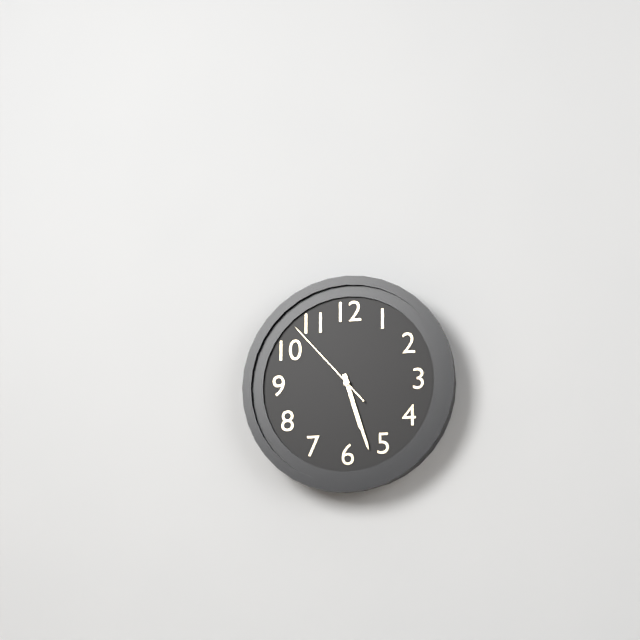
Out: {"hour": 5, "minute": 27, "second": 53}
